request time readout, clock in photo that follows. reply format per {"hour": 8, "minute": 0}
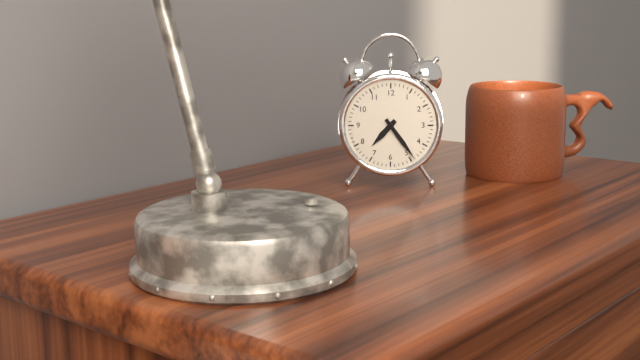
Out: {"hour": 7, "minute": 24}
